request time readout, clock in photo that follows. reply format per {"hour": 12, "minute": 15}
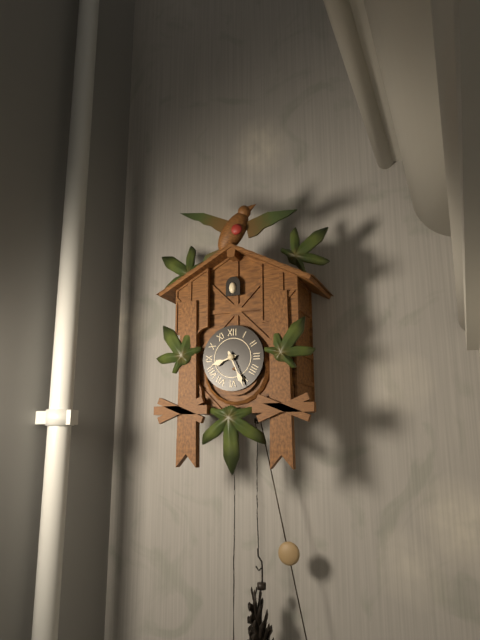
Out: {"hour": 8, "minute": 26}
